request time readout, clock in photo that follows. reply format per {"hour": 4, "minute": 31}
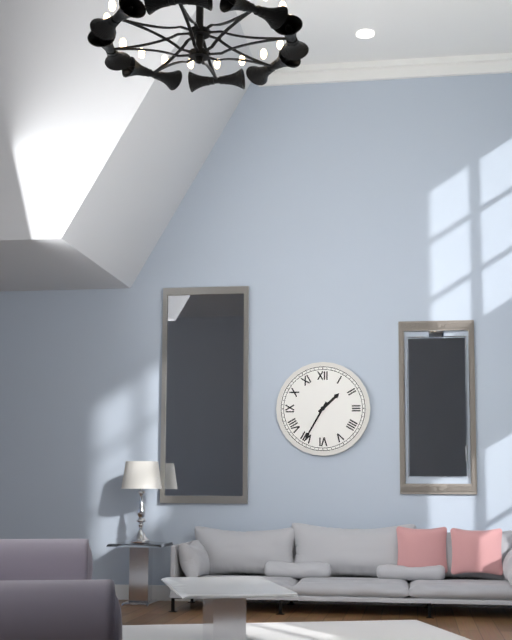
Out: {"hour": 1, "minute": 35}
